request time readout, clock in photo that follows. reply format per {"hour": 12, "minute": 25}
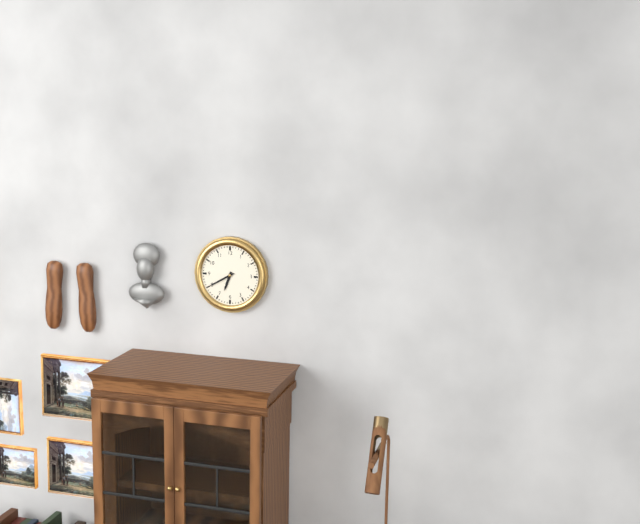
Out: {"hour": 6, "minute": 40}
